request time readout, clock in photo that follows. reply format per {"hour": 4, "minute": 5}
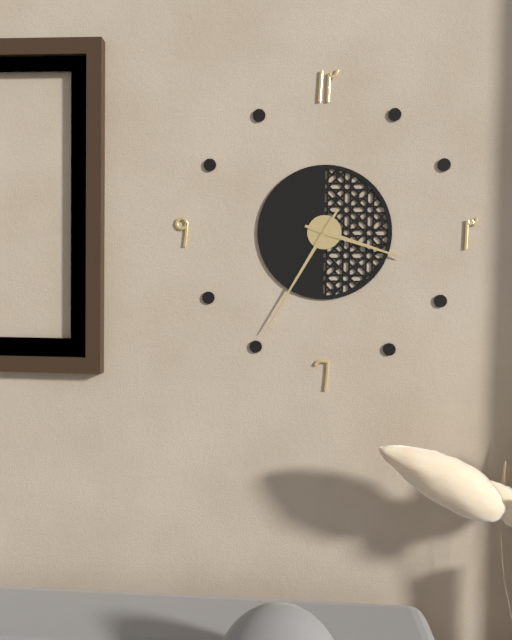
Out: {"hour": 3, "minute": 35}
